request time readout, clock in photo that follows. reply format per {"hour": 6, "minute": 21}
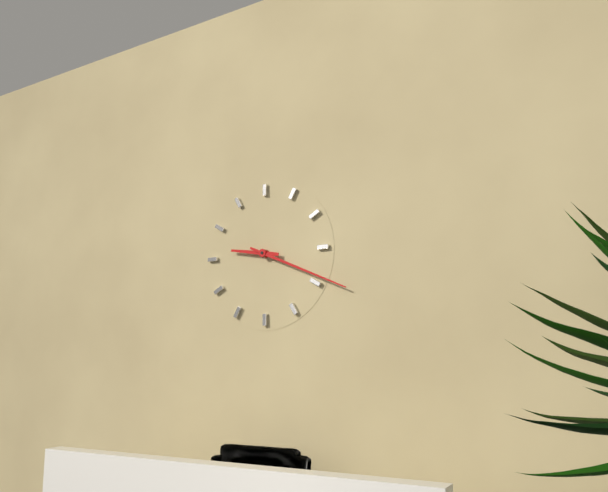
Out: {"hour": 9, "minute": 19}
